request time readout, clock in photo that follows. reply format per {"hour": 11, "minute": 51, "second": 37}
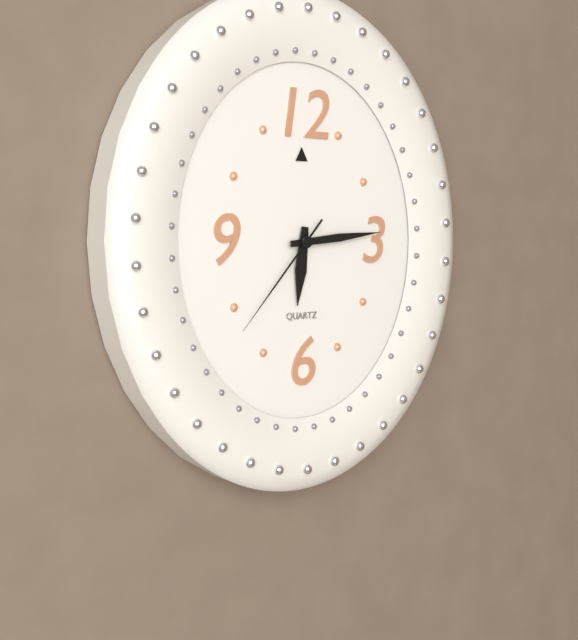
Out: {"hour": 6, "minute": 14, "second": 37}
